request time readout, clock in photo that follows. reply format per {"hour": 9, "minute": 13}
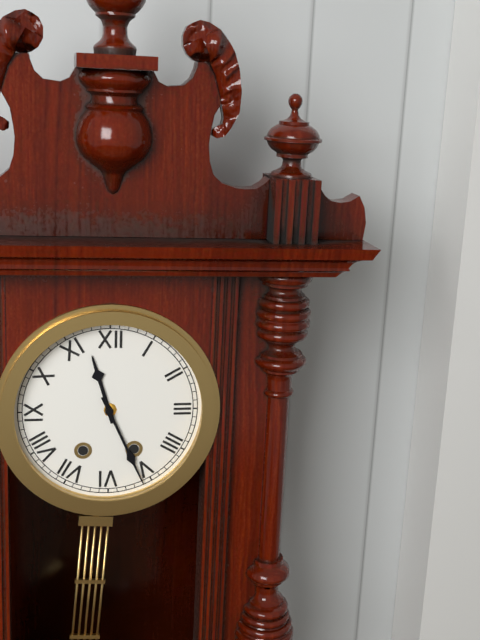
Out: {"hour": 11, "minute": 26}
